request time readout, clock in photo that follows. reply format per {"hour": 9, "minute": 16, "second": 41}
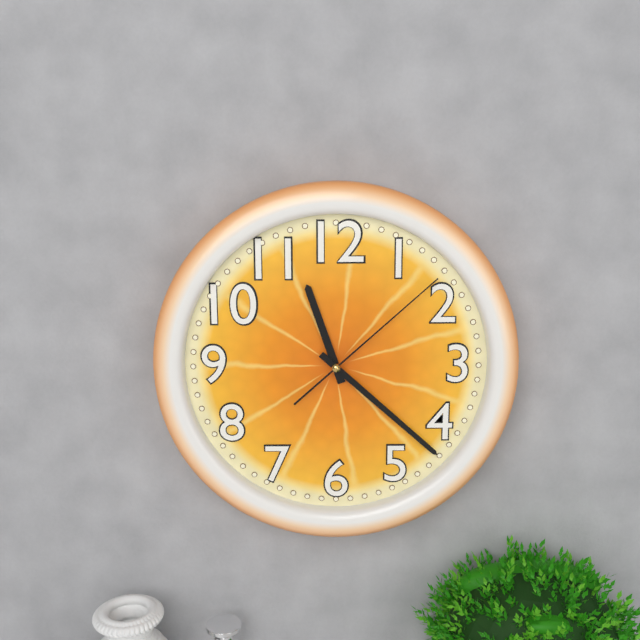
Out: {"hour": 11, "minute": 22, "second": 8}
